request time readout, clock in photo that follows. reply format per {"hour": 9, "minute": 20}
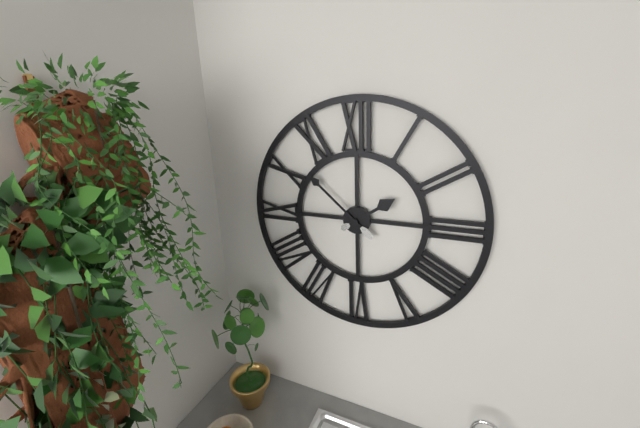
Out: {"hour": 1, "minute": 52}
